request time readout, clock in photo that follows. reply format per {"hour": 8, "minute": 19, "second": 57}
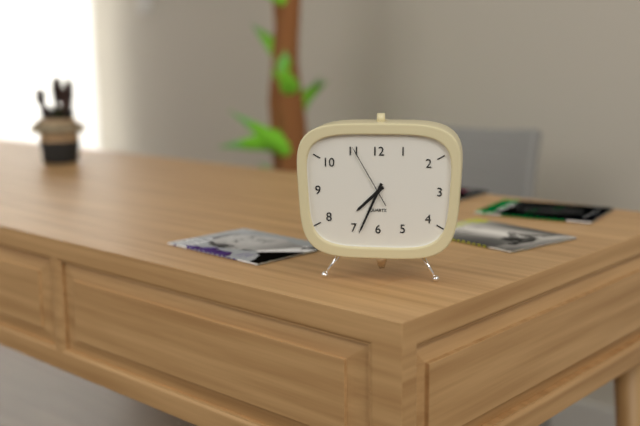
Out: {"hour": 7, "minute": 34, "second": 55}
